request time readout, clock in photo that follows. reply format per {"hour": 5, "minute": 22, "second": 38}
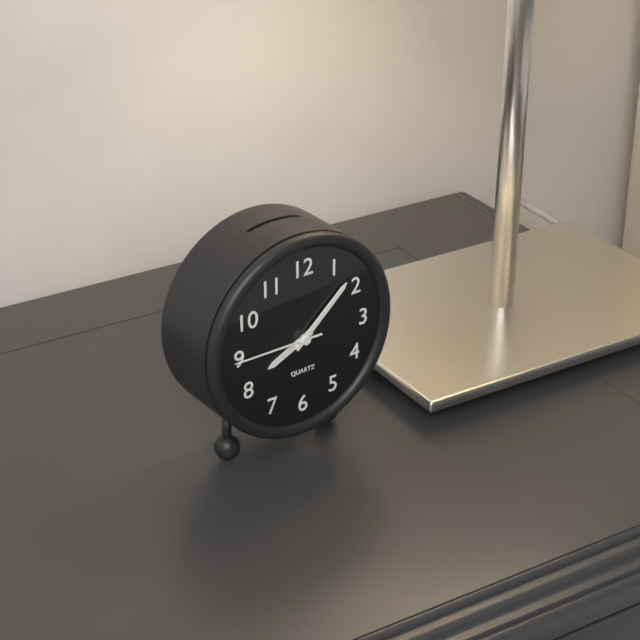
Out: {"hour": 8, "minute": 8, "second": 45}
